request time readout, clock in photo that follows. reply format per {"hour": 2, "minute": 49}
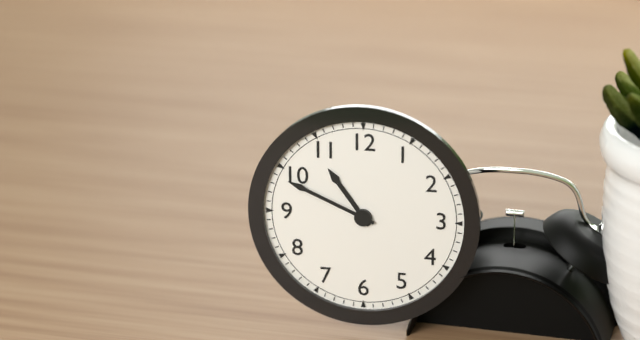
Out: {"hour": 10, "minute": 49}
